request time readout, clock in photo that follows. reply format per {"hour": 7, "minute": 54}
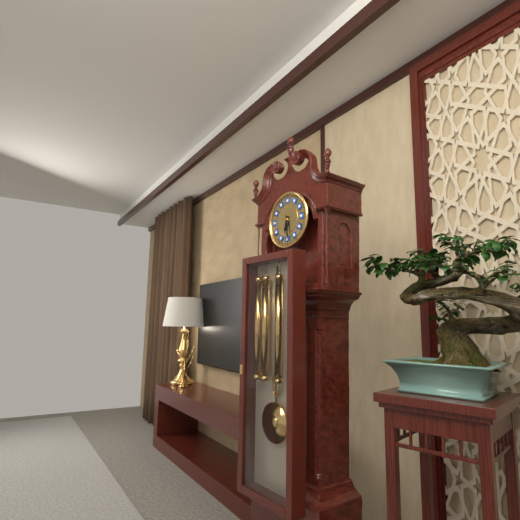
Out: {"hour": 6, "minute": 29}
